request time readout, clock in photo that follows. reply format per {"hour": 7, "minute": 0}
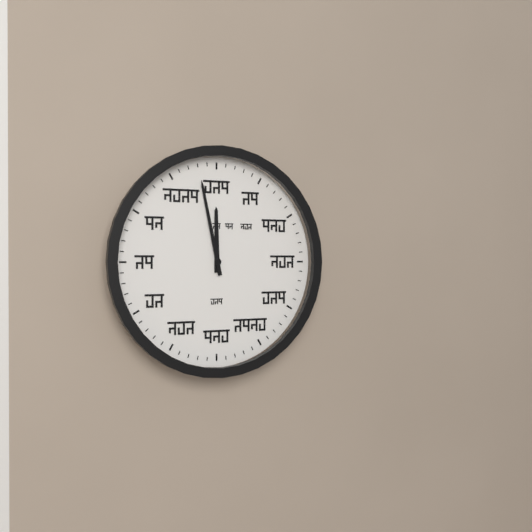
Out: {"hour": 11, "minute": 58}
